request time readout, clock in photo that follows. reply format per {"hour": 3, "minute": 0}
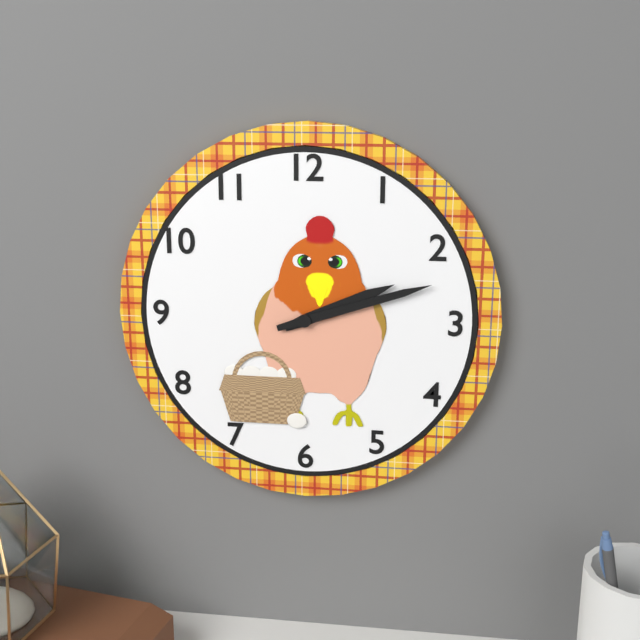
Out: {"hour": 2, "minute": 12}
